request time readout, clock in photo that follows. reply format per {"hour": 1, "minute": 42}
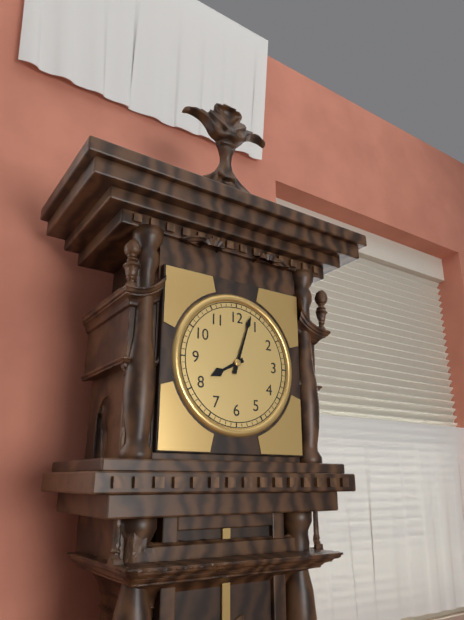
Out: {"hour": 8, "minute": 3}
